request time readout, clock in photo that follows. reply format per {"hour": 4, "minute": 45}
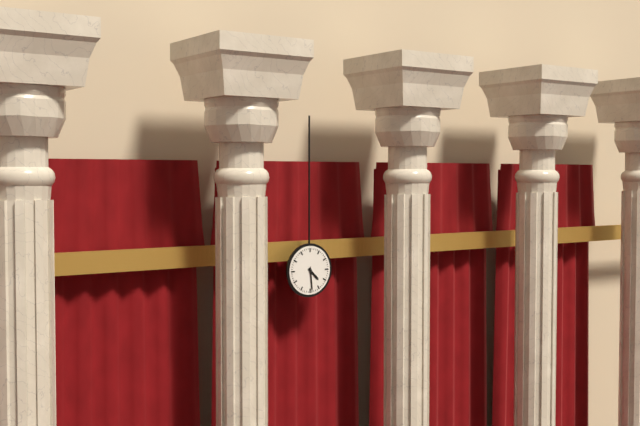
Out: {"hour": 4, "minute": 29}
